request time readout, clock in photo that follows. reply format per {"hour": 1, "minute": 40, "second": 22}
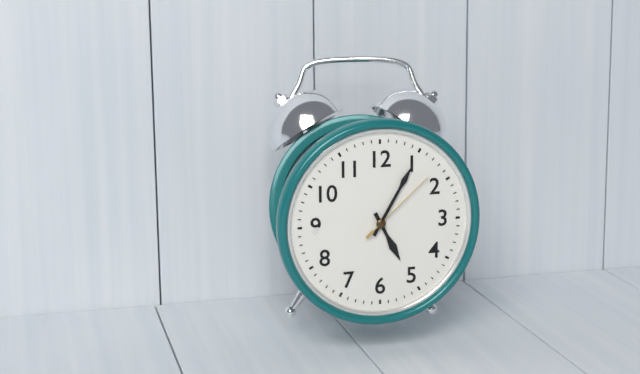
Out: {"hour": 5, "minute": 5, "second": 8}
